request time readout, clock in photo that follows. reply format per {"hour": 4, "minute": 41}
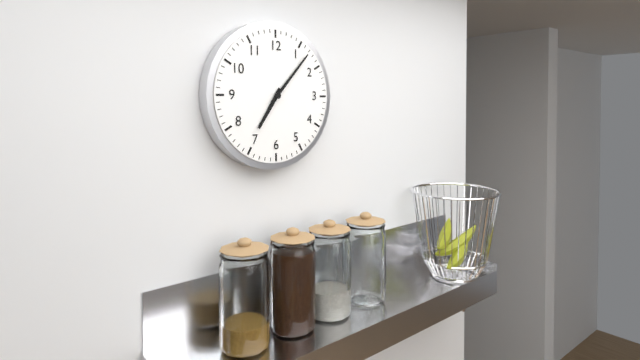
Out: {"hour": 7, "minute": 7}
